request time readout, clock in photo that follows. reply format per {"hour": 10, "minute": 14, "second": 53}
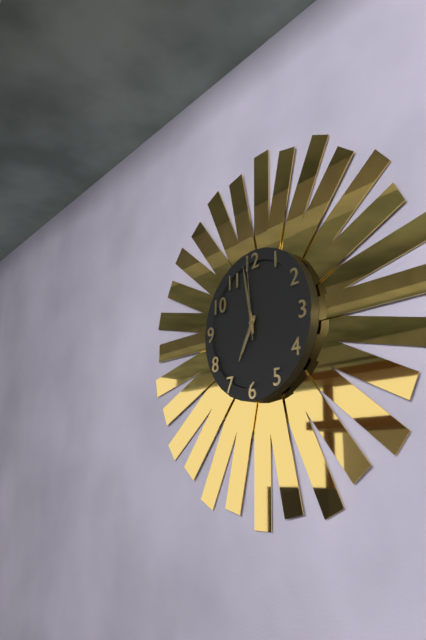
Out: {"hour": 6, "minute": 58, "second": 59}
